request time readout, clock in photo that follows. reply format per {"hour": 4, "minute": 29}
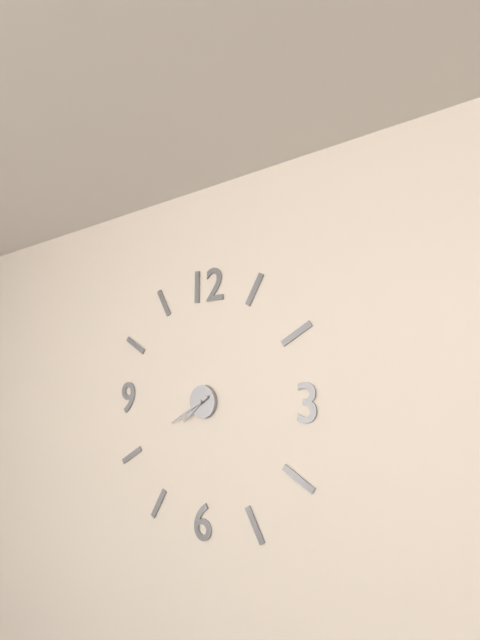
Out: {"hour": 7, "minute": 40}
